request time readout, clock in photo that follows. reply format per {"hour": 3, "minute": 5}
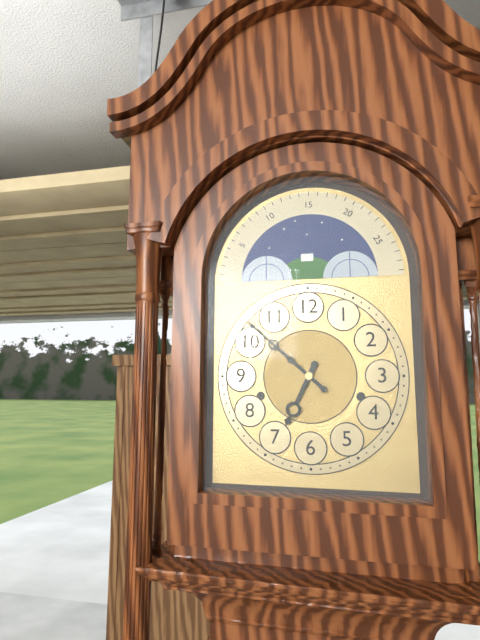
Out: {"hour": 6, "minute": 52}
